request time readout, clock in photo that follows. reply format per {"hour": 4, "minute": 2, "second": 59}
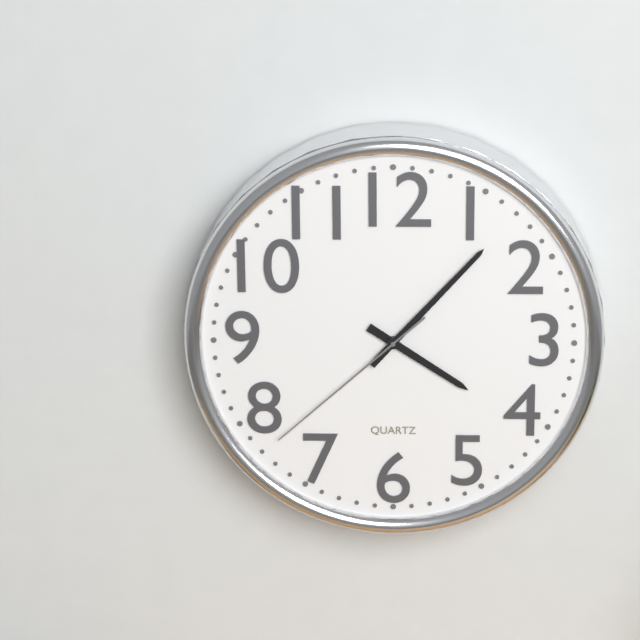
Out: {"hour": 4, "minute": 7, "second": 38}
